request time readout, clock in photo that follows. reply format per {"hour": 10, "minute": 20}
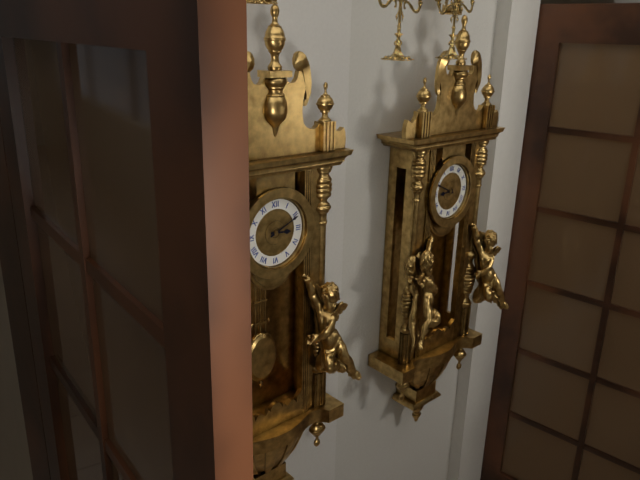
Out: {"hour": 3, "minute": 11}
